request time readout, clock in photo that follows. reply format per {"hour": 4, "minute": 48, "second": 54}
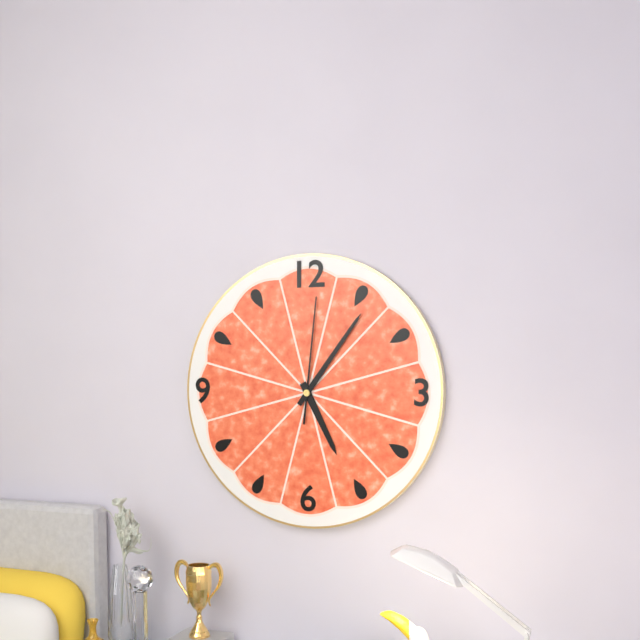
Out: {"hour": 5, "minute": 6, "second": 1}
